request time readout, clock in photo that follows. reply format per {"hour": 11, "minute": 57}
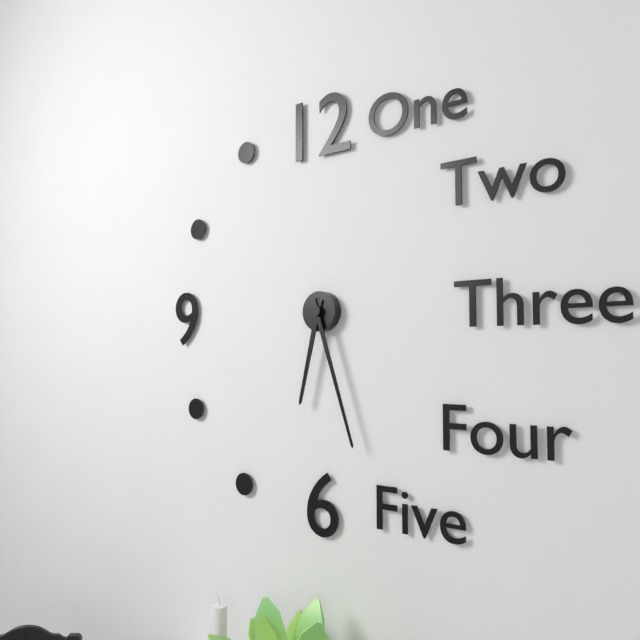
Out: {"hour": 6, "minute": 27}
